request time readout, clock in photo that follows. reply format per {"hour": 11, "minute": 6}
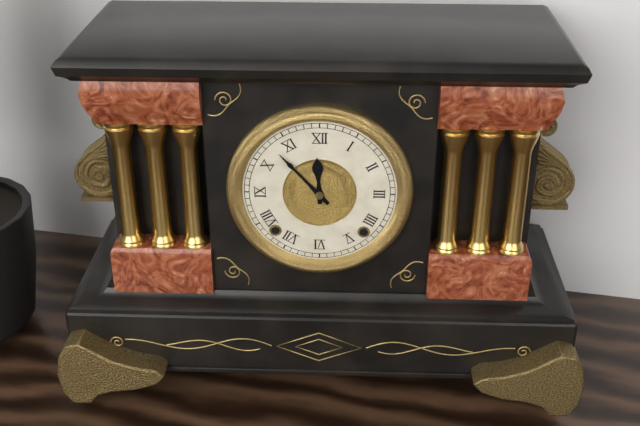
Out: {"hour": 11, "minute": 53}
